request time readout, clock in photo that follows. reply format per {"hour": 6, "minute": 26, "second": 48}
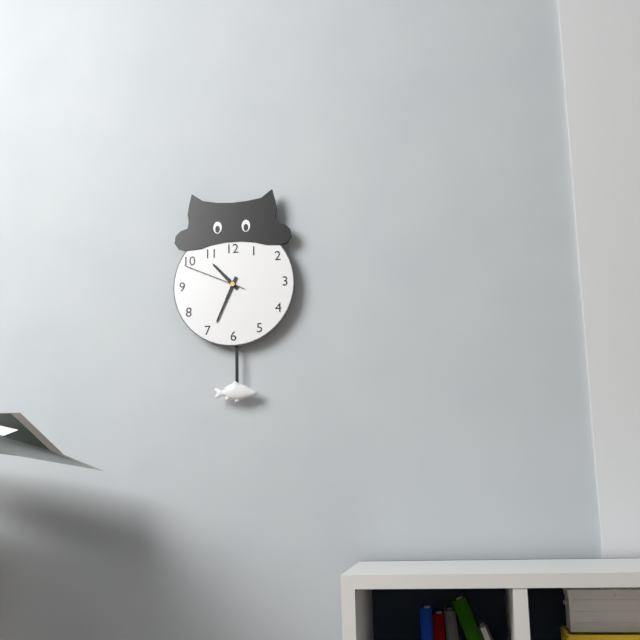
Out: {"hour": 10, "minute": 34, "second": 49}
